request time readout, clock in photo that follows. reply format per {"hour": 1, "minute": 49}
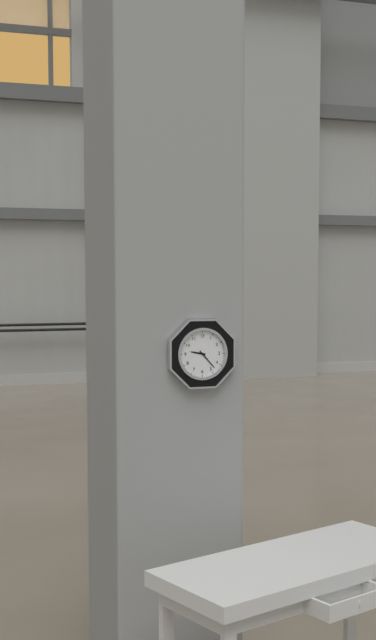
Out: {"hour": 9, "minute": 23}
